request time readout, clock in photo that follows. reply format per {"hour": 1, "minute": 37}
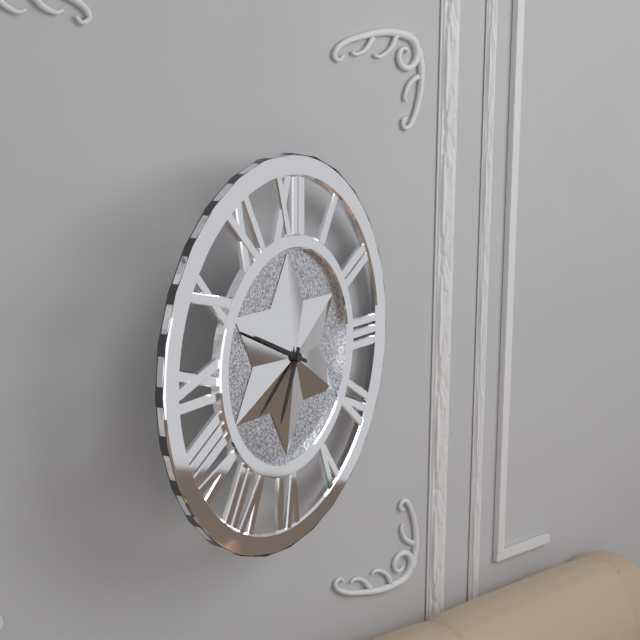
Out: {"hour": 6, "minute": 49}
